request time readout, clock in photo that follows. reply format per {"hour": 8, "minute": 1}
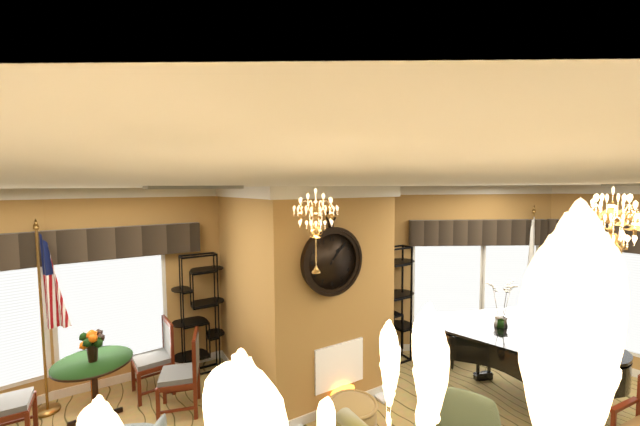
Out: {"hour": 1, "minute": 7}
